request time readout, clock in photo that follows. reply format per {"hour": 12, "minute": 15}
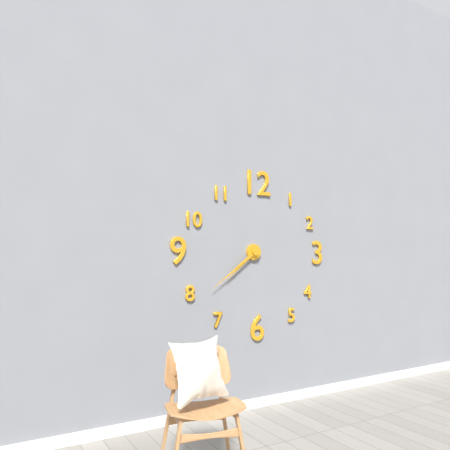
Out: {"hour": 7, "minute": 39}
